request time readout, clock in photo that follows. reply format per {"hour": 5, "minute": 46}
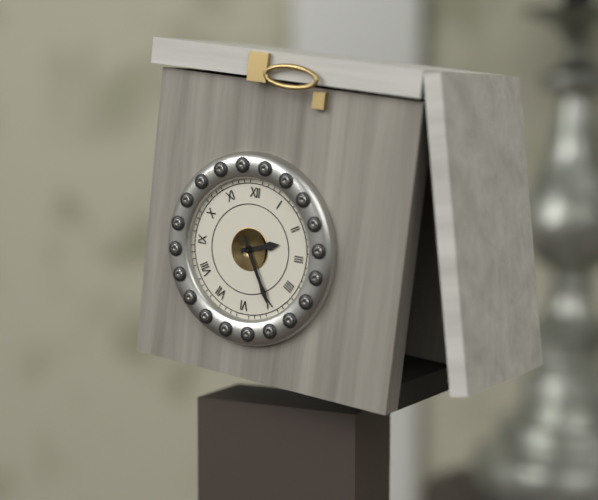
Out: {"hour": 2, "minute": 25}
